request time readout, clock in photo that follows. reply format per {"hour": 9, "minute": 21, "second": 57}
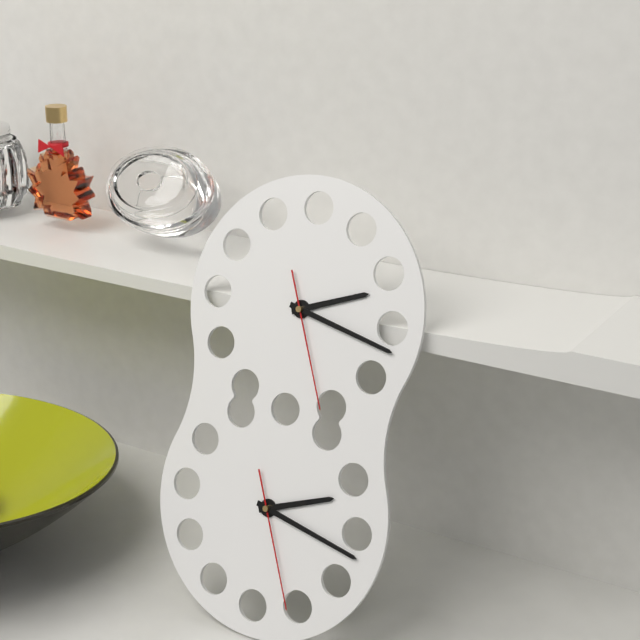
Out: {"hour": 2, "minute": 17, "second": 26}
